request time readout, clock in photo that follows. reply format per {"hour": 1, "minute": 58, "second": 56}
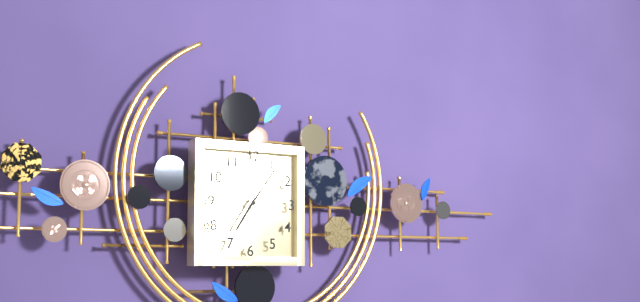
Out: {"hour": 7, "minute": 6, "second": 47}
